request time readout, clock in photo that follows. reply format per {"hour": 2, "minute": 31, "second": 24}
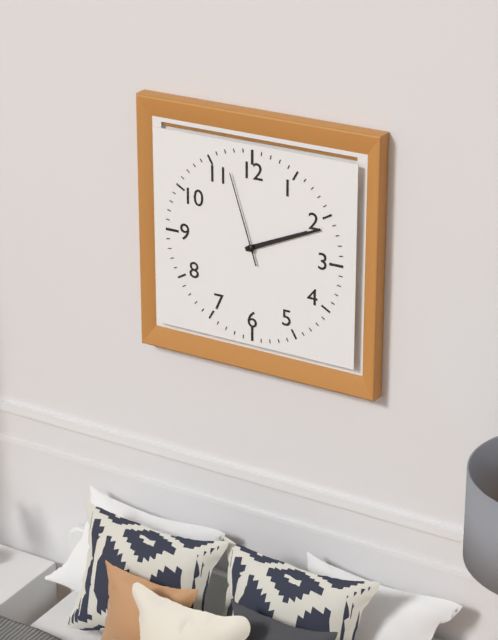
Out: {"hour": 2, "minute": 11, "second": 57}
